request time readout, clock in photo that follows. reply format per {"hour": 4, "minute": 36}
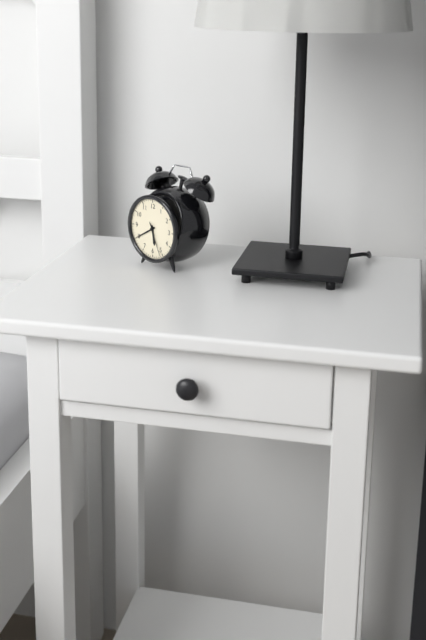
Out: {"hour": 5, "minute": 40}
